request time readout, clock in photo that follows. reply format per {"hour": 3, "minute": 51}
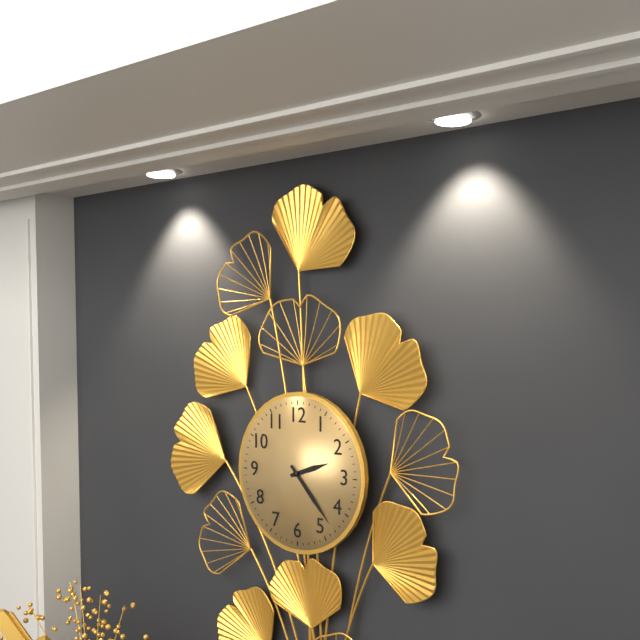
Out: {"hour": 2, "minute": 23}
